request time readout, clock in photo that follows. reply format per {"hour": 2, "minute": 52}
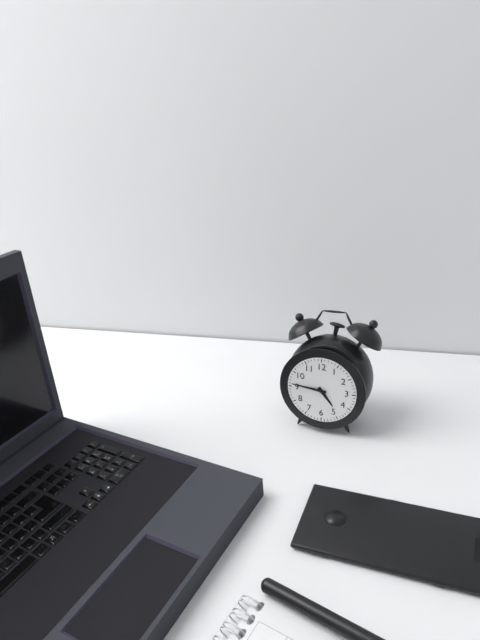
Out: {"hour": 4, "minute": 46}
